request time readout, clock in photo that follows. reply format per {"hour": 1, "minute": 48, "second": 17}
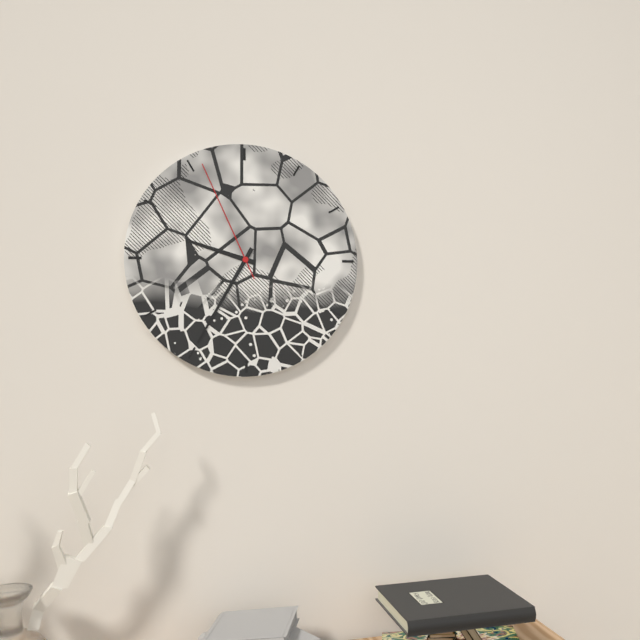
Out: {"hour": 9, "minute": 35, "second": 56}
